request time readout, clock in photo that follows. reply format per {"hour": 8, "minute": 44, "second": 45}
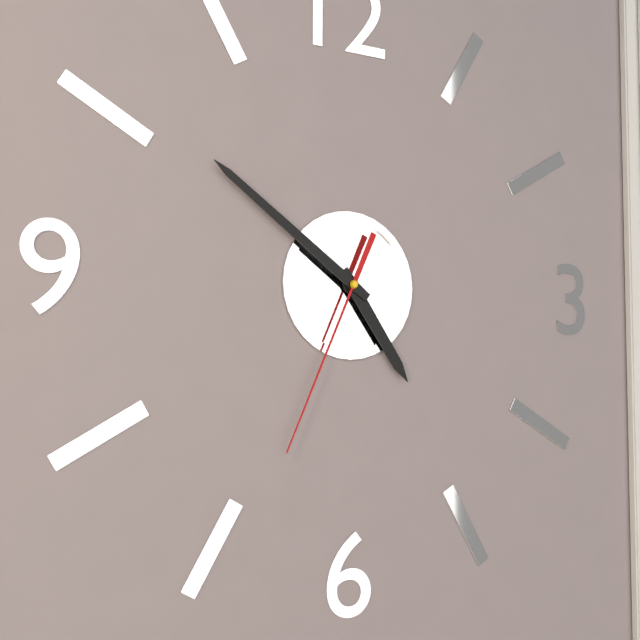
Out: {"hour": 4, "minute": 51, "second": 34}
